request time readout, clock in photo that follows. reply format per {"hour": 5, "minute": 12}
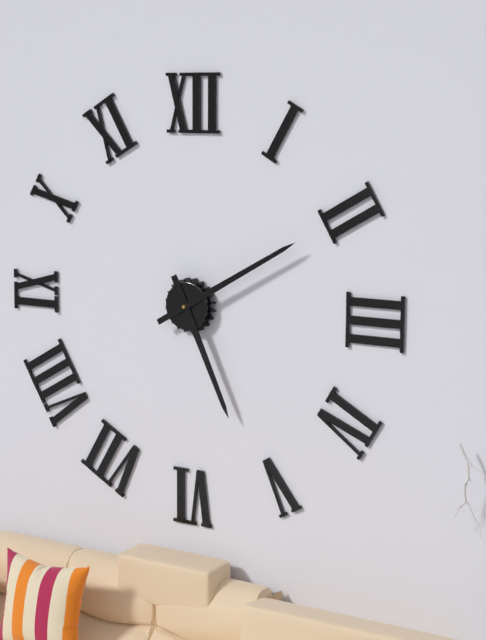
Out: {"hour": 5, "minute": 10}
